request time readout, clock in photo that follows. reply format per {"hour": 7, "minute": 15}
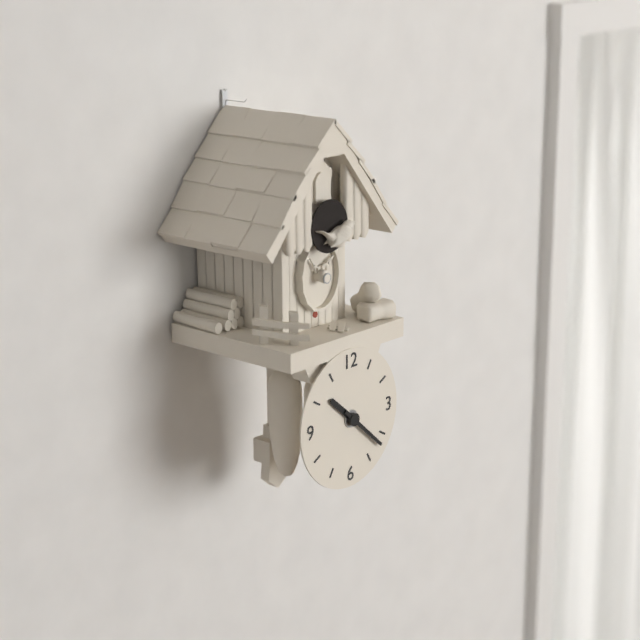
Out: {"hour": 10, "minute": 22}
